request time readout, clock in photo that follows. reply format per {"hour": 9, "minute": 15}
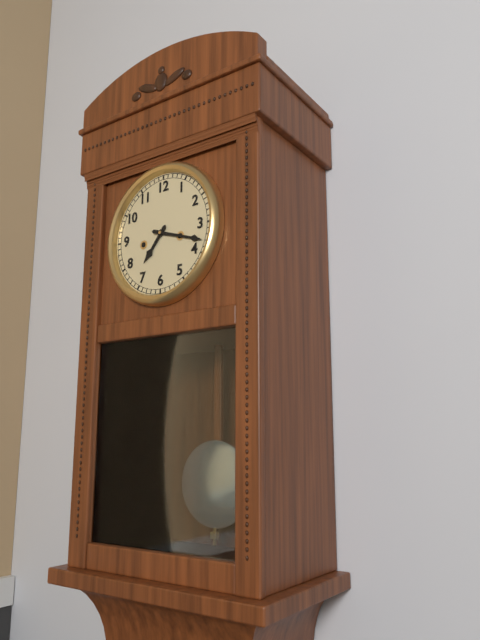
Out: {"hour": 7, "minute": 18}
